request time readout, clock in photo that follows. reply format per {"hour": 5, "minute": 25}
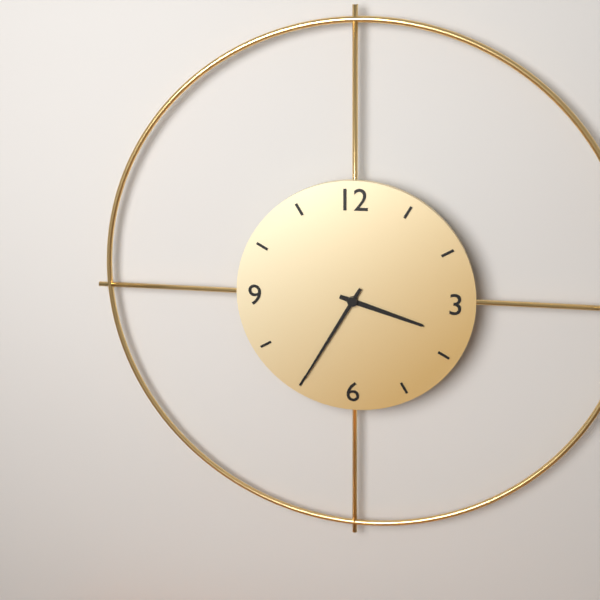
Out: {"hour": 3, "minute": 35}
